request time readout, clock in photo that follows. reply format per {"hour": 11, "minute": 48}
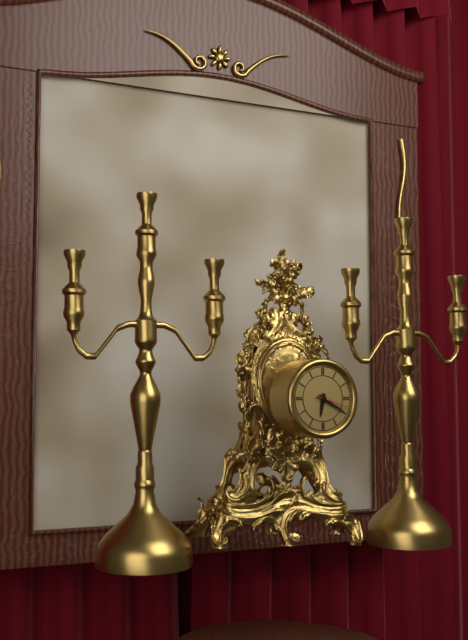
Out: {"hour": 6, "minute": 20}
